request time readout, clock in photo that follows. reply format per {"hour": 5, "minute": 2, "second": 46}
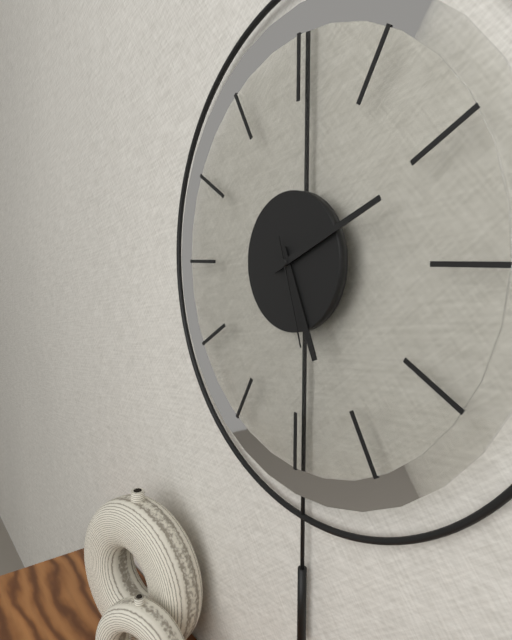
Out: {"hour": 5, "minute": 11, "second": 27}
